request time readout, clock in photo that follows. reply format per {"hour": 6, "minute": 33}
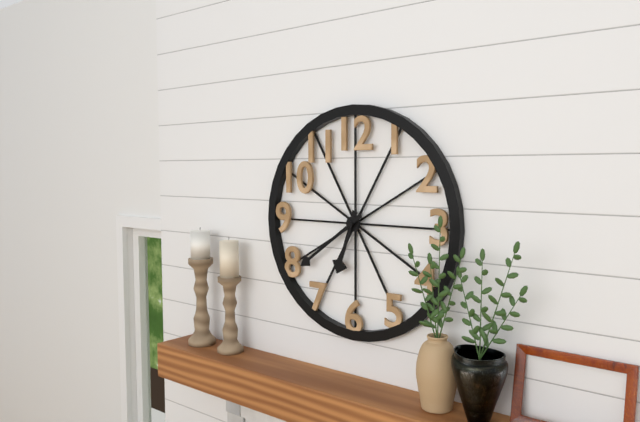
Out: {"hour": 6, "minute": 39}
